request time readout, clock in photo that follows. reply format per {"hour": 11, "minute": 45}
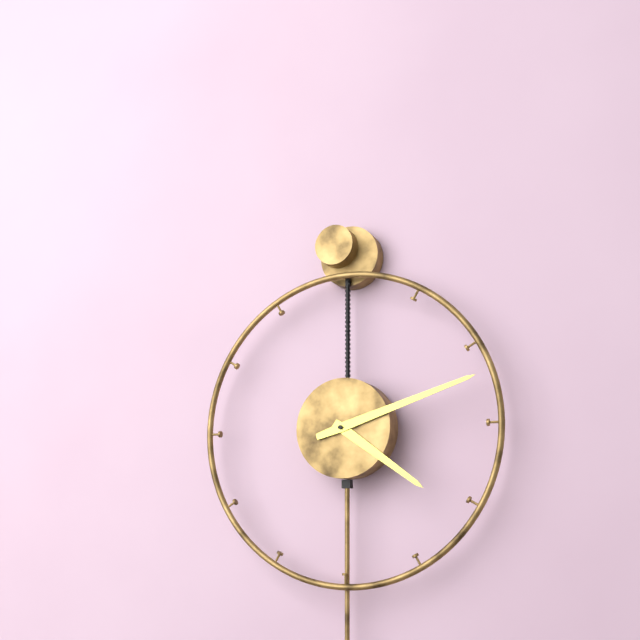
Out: {"hour": 4, "minute": 12}
